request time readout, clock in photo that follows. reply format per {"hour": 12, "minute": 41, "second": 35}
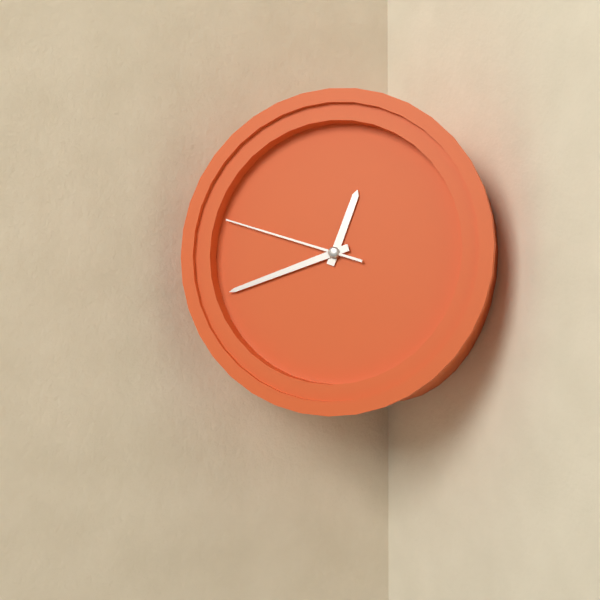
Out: {"hour": 12, "minute": 42, "second": 48}
